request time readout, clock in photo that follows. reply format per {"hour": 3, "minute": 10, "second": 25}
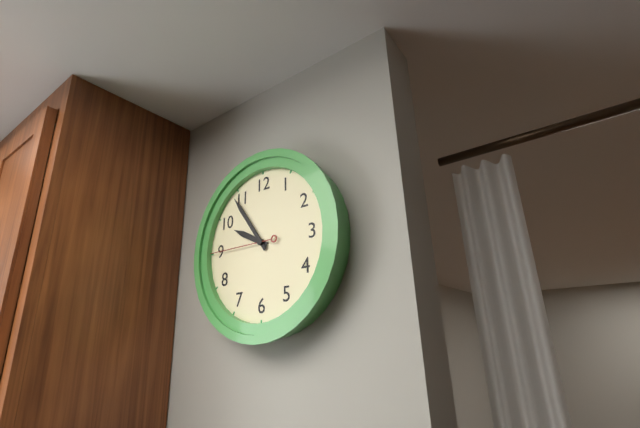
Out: {"hour": 9, "minute": 54, "second": 45}
